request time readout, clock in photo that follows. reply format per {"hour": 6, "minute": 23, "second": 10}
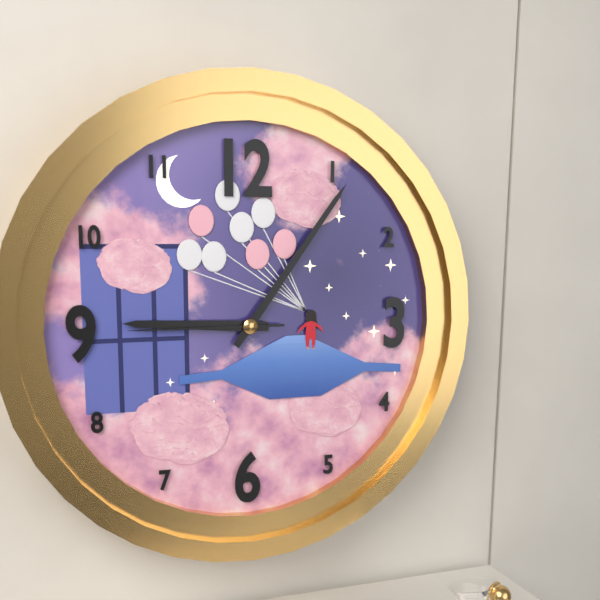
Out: {"hour": 9, "minute": 6, "second": 45}
